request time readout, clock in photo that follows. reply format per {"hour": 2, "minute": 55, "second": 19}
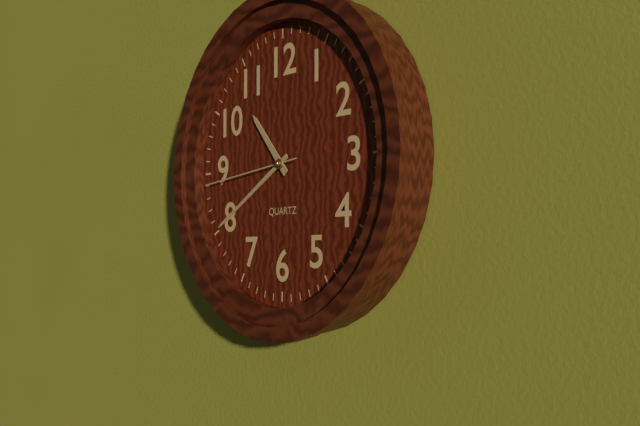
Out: {"hour": 10, "minute": 40, "second": 44}
